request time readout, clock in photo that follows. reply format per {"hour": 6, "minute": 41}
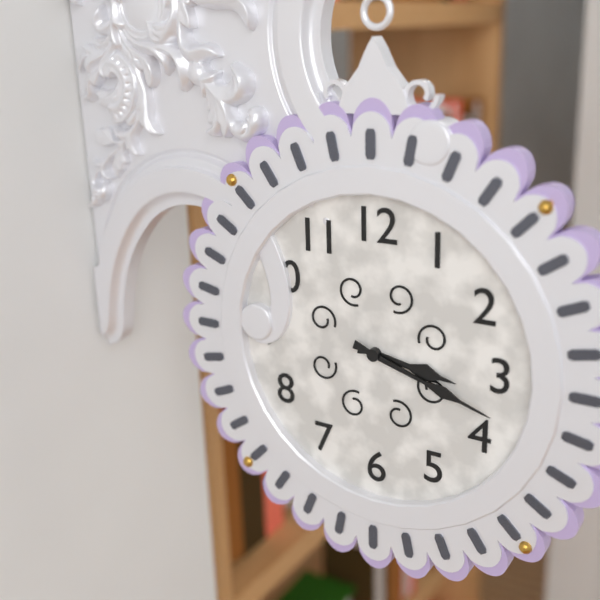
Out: {"hour": 3, "minute": 18}
